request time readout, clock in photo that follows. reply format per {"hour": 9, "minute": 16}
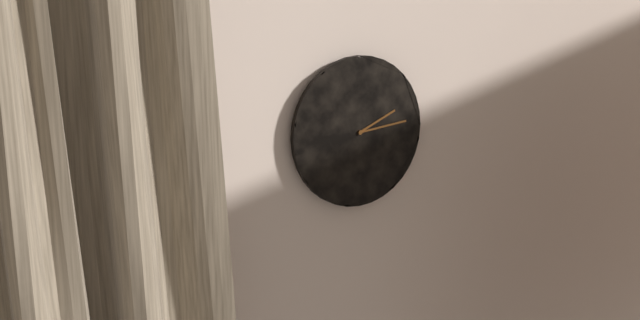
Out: {"hour": 2, "minute": 14}
